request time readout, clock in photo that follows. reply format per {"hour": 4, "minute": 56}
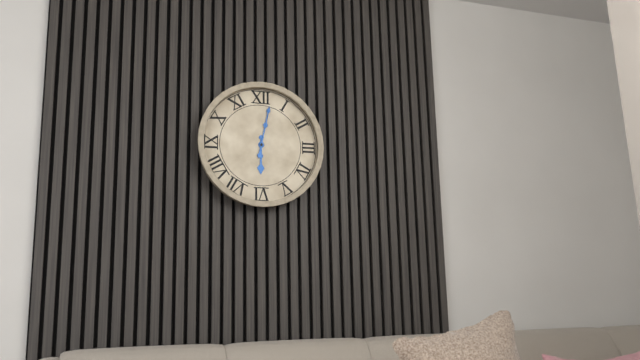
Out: {"hour": 6, "minute": 2}
